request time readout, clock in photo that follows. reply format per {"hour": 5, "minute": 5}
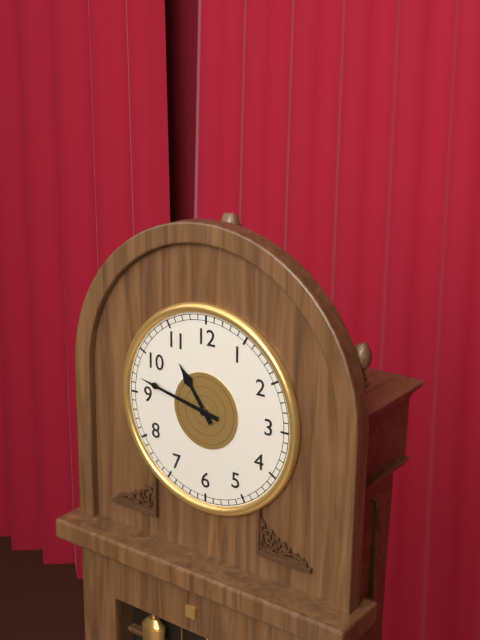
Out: {"hour": 10, "minute": 47}
